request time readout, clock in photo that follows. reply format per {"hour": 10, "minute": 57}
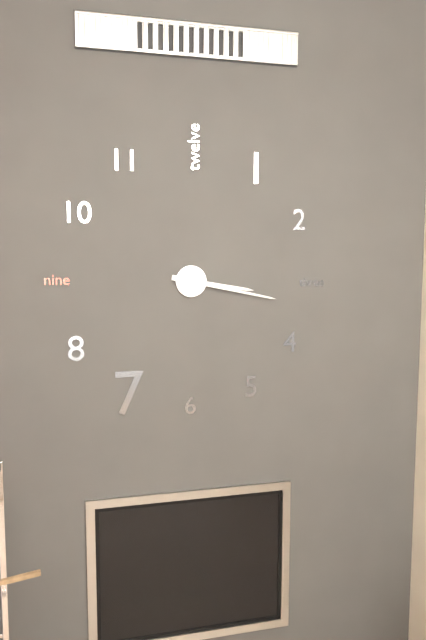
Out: {"hour": 3, "minute": 17}
